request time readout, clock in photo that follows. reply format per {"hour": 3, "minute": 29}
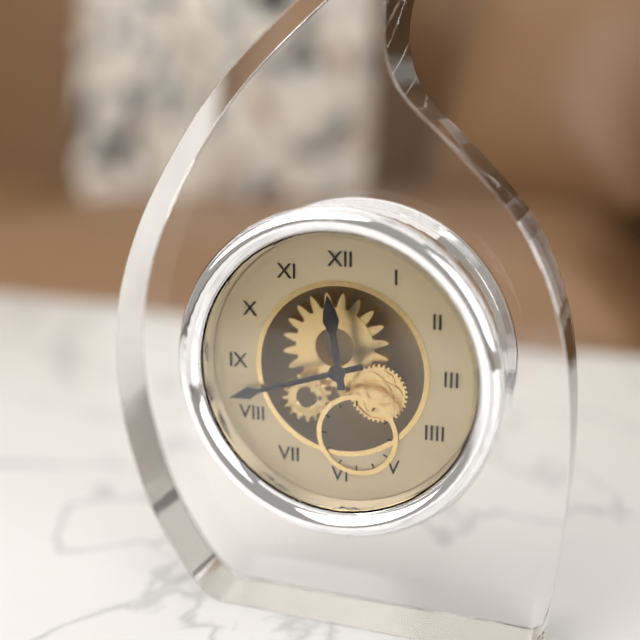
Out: {"hour": 11, "minute": 42}
